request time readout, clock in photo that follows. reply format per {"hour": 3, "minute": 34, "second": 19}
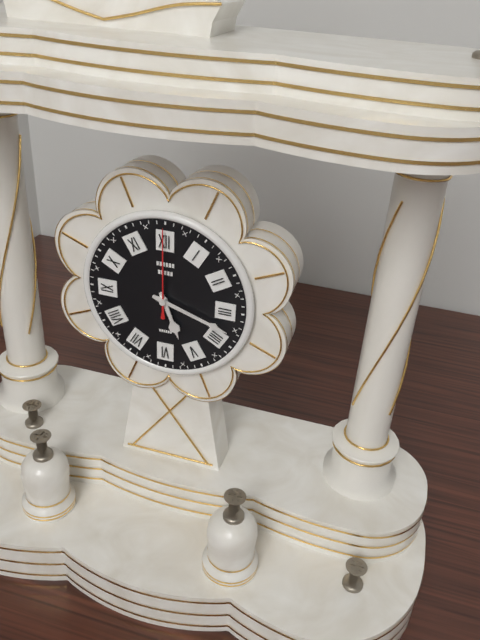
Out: {"hour": 5, "minute": 18, "second": 0}
